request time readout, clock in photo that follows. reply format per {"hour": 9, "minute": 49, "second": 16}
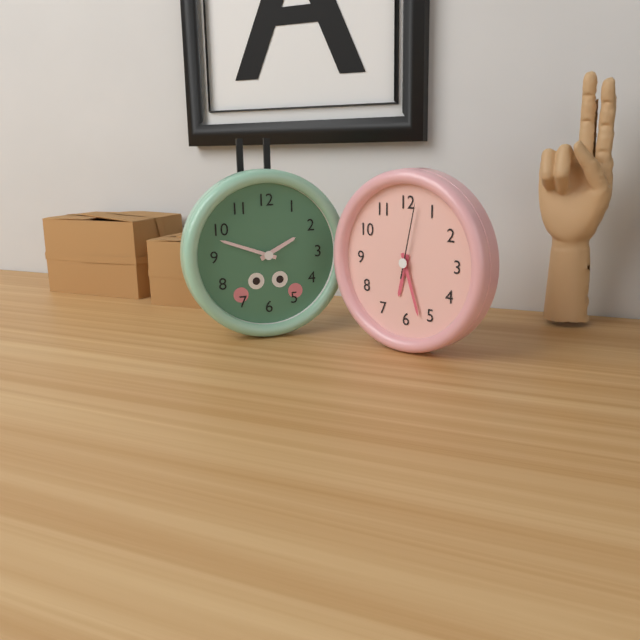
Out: {"hour": 6, "minute": 27, "second": 2}
